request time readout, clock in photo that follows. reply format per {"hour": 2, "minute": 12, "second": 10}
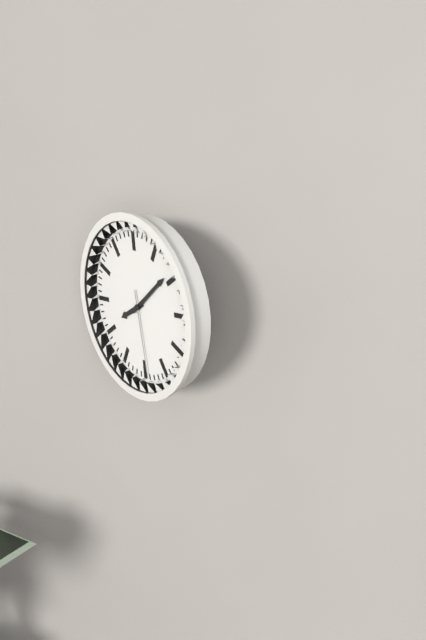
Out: {"hour": 8, "minute": 9, "second": 29}
